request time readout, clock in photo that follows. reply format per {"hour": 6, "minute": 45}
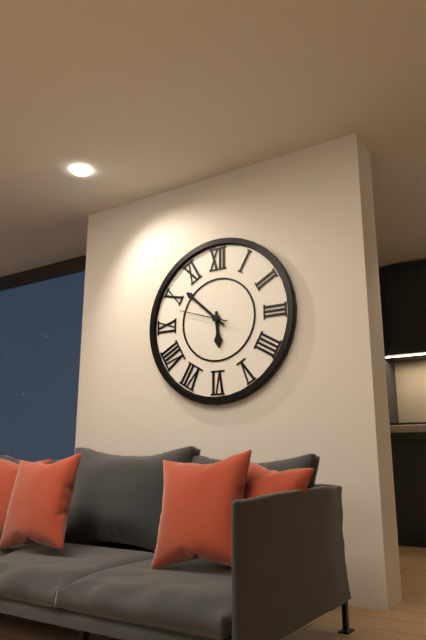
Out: {"hour": 5, "minute": 52}
